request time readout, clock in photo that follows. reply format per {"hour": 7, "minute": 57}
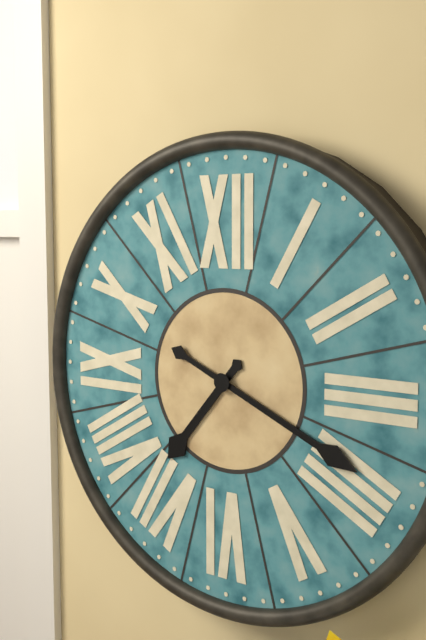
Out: {"hour": 7, "minute": 19}
